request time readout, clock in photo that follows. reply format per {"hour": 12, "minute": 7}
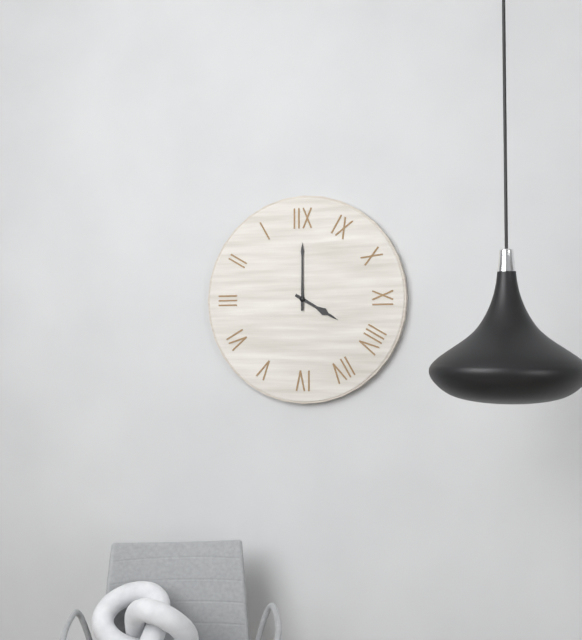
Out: {"hour": 4, "minute": 0}
